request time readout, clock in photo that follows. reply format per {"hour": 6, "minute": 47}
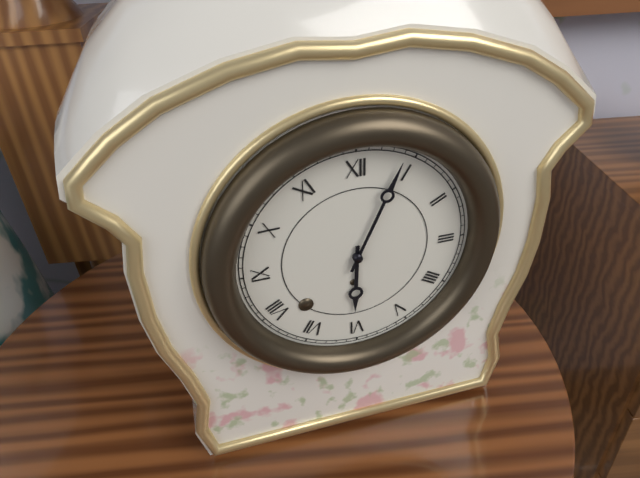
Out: {"hour": 6, "minute": 4}
